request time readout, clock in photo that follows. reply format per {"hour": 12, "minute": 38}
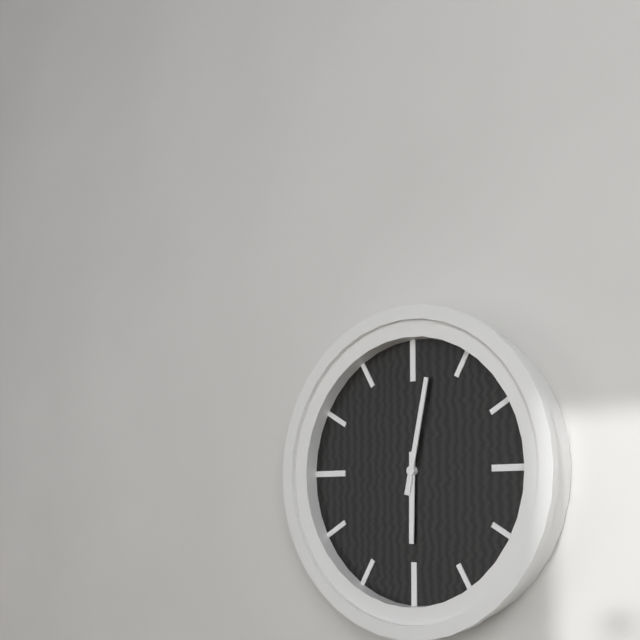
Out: {"hour": 6, "minute": 2}
